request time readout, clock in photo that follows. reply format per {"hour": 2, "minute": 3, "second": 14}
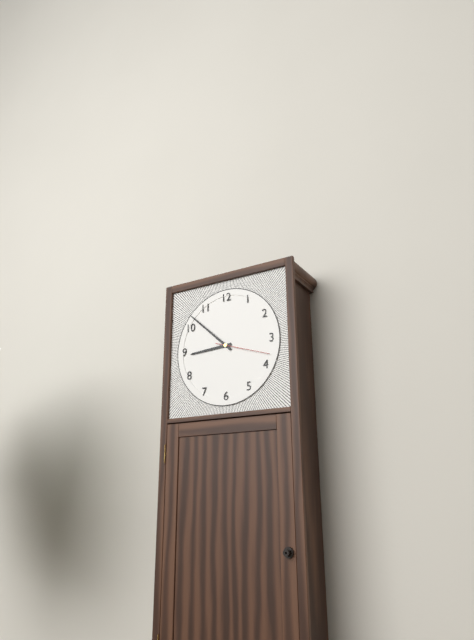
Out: {"hour": 8, "minute": 52, "second": 18}
